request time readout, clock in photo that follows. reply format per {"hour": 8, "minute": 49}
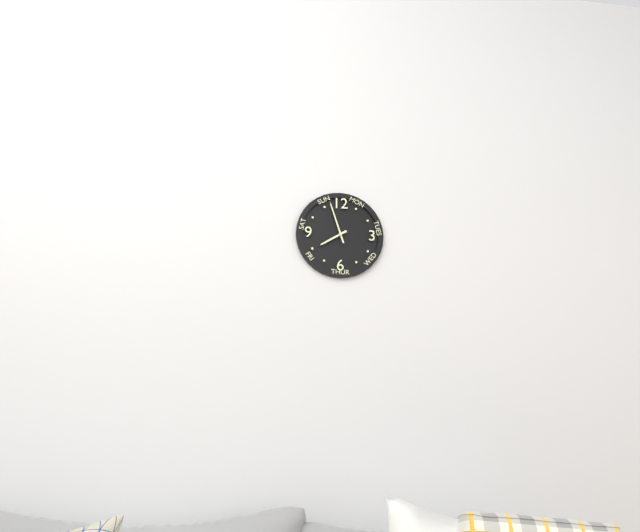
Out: {"hour": 7, "minute": 57}
